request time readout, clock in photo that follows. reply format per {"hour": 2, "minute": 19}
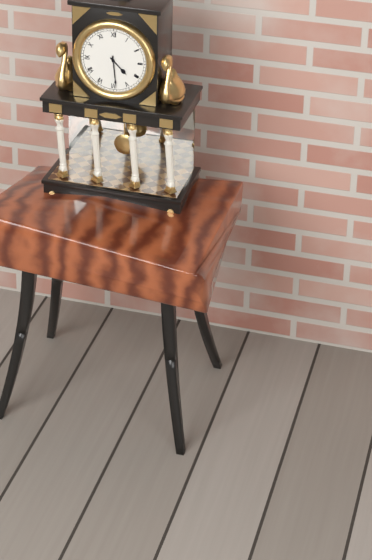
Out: {"hour": 4, "minute": 29}
